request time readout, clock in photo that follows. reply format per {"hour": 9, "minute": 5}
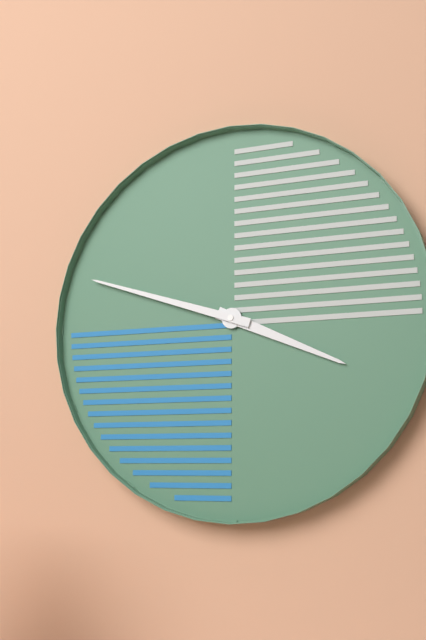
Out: {"hour": 3, "minute": 48}
